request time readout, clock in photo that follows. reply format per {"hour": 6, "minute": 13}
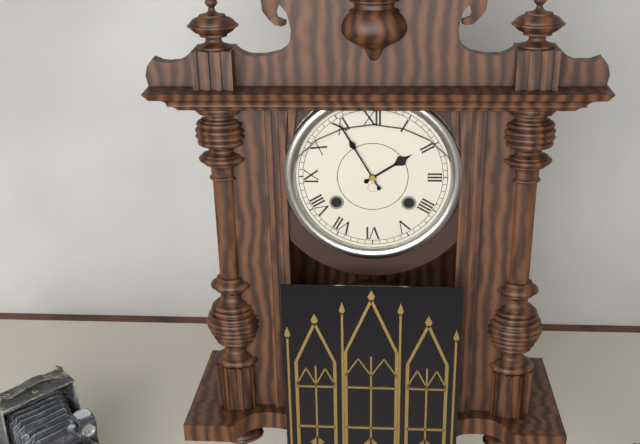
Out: {"hour": 1, "minute": 55}
